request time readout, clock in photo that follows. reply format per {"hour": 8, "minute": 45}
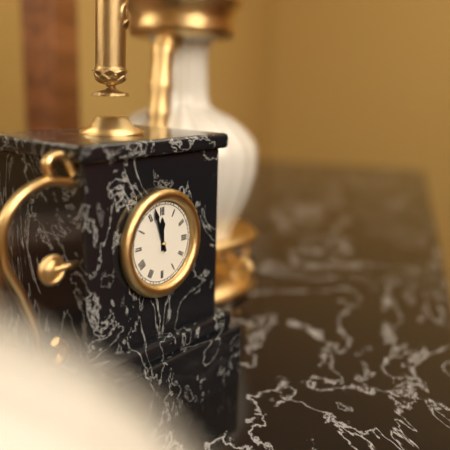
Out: {"hour": 11, "minute": 57}
